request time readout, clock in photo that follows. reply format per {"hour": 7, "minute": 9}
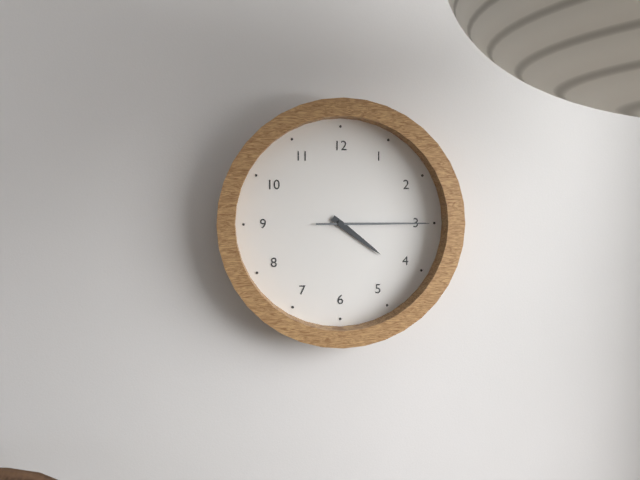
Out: {"hour": 4, "minute": 15}
